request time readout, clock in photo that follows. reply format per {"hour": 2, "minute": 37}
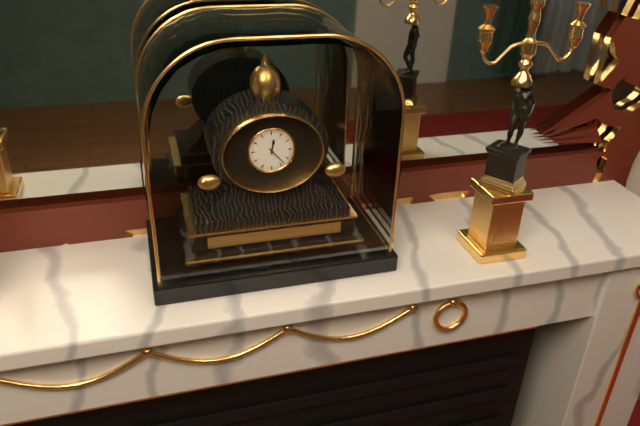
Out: {"hour": 12, "minute": 23}
